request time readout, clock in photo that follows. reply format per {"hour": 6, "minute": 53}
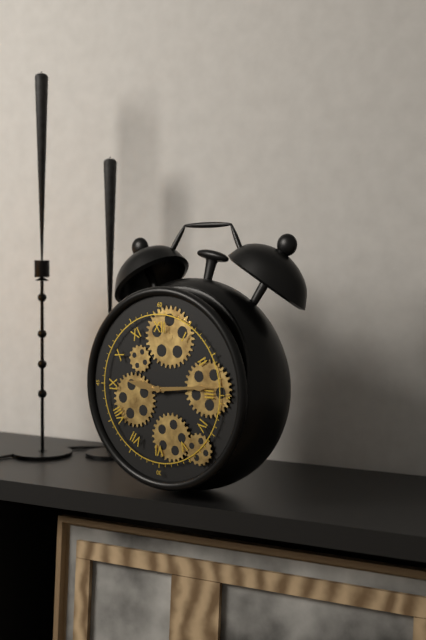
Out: {"hour": 9, "minute": 14}
